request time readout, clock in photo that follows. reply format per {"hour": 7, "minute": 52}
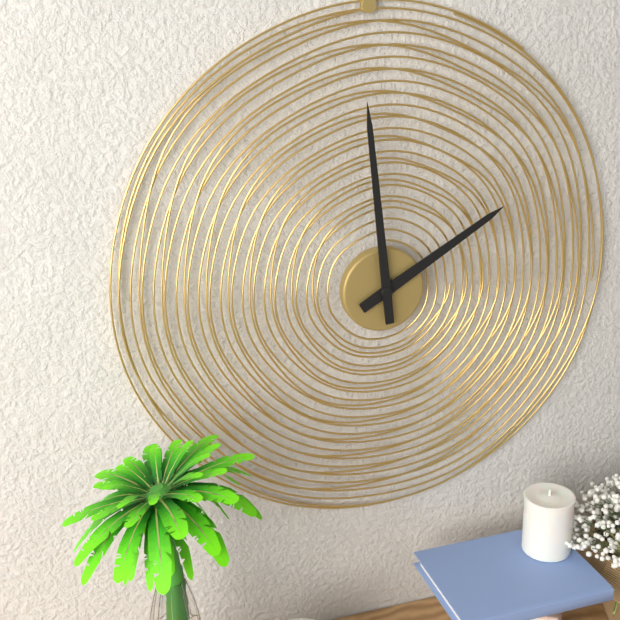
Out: {"hour": 1, "minute": 59}
